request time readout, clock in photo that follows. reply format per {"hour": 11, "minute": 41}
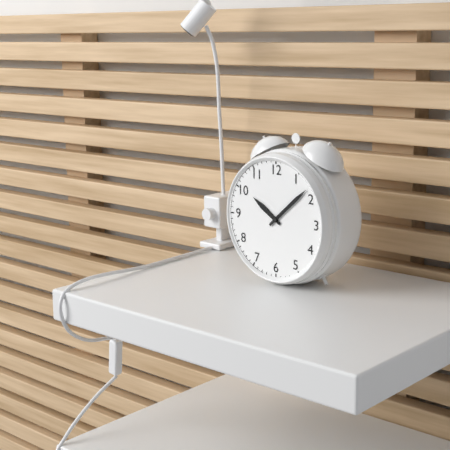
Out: {"hour": 10, "minute": 8}
